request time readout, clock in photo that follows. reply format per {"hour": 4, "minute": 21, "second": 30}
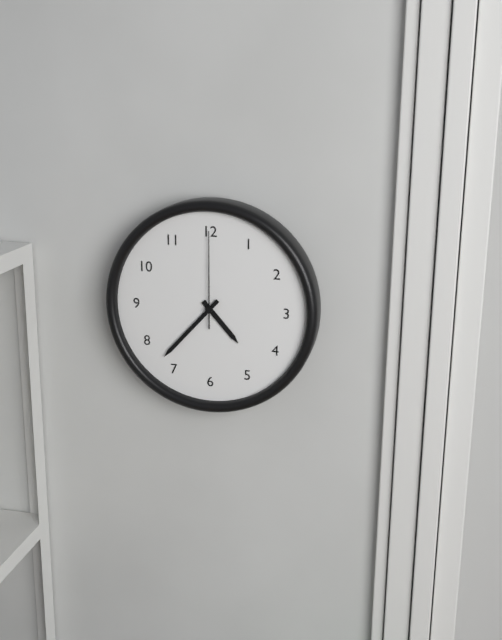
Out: {"hour": 4, "minute": 37, "second": 0}
